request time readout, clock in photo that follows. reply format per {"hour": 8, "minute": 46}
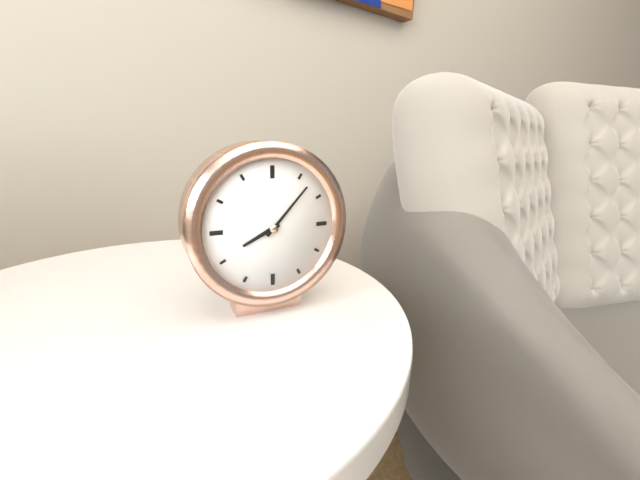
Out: {"hour": 8, "minute": 7}
